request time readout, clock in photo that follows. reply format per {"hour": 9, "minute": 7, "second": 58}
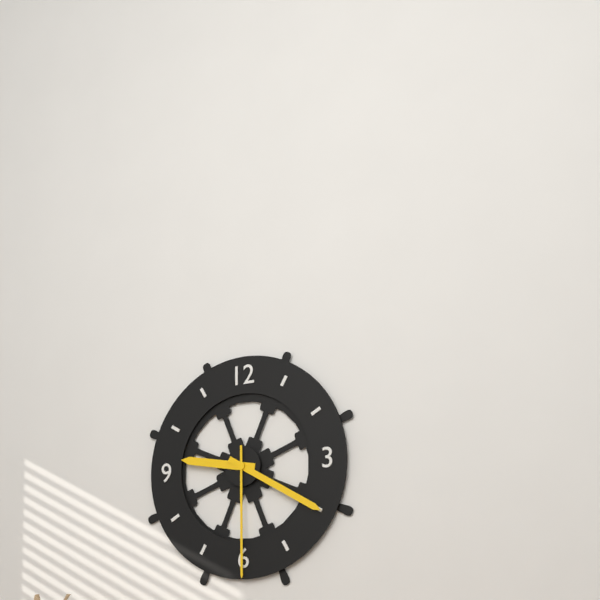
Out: {"hour": 9, "minute": 20, "second": 30}
